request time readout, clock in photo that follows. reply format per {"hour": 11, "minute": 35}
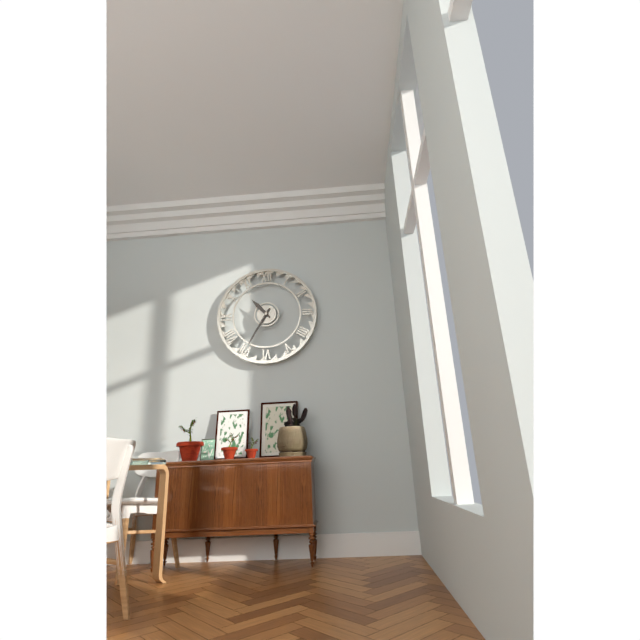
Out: {"hour": 10, "minute": 35}
